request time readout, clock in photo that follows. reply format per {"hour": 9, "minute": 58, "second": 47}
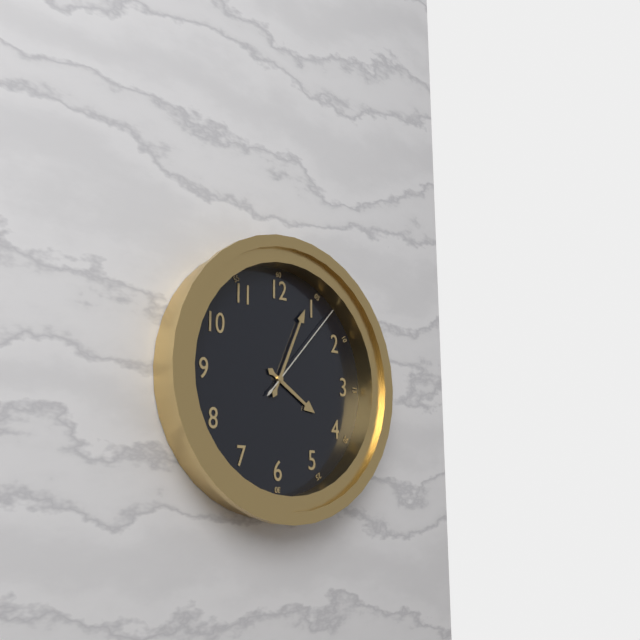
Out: {"hour": 4, "minute": 4, "second": 7}
